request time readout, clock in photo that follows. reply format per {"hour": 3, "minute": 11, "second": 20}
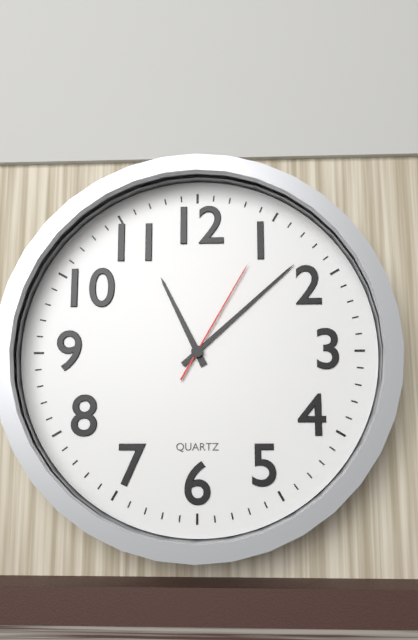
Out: {"hour": 11, "minute": 8, "second": 5}
